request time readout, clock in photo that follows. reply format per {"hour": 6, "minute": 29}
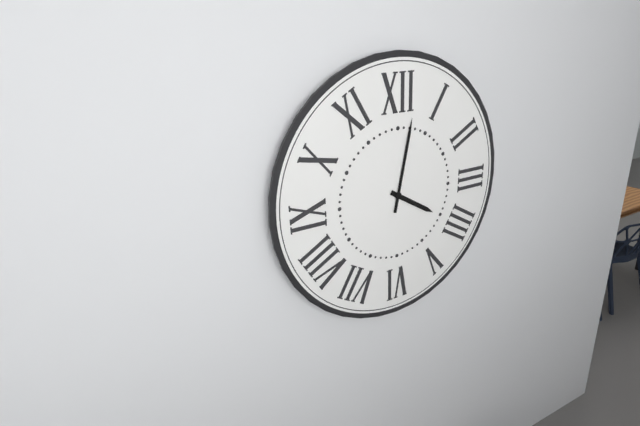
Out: {"hour": 4, "minute": 2}
